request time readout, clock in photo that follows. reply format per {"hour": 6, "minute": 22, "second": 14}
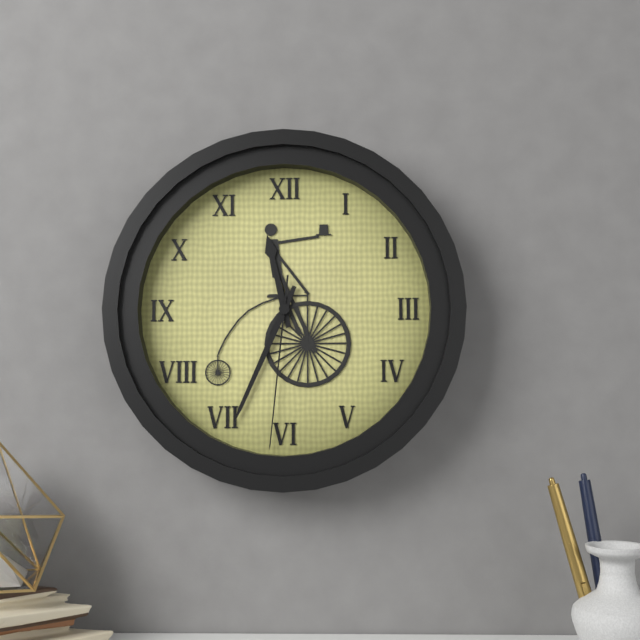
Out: {"hour": 11, "minute": 34, "second": 31}
